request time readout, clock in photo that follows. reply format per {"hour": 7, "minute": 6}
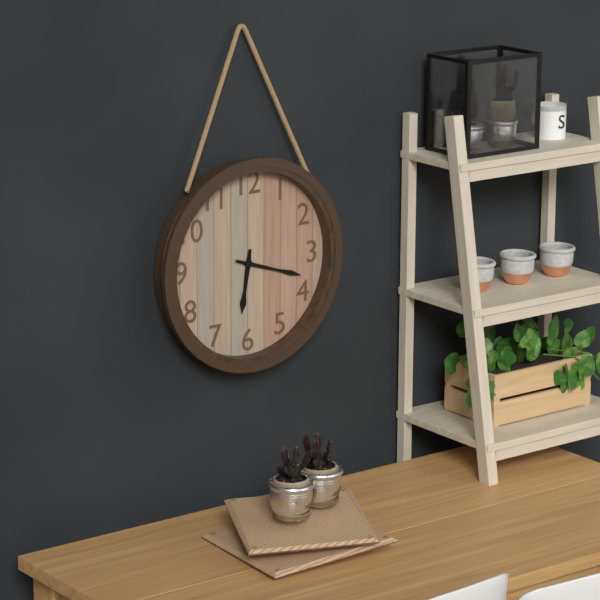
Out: {"hour": 6, "minute": 18}
